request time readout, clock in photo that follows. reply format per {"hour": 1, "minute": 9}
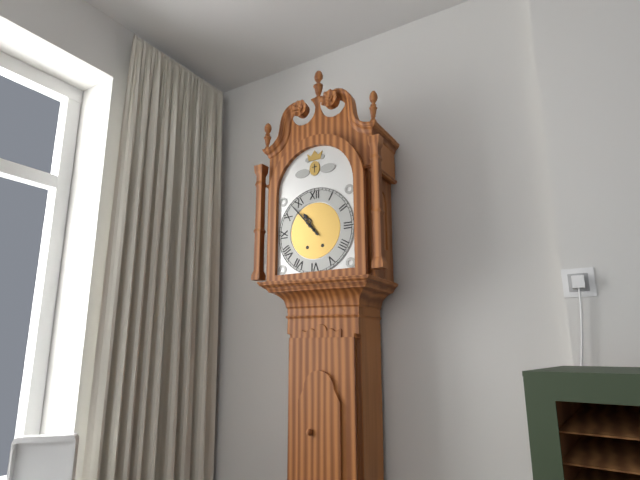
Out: {"hour": 10, "minute": 53}
